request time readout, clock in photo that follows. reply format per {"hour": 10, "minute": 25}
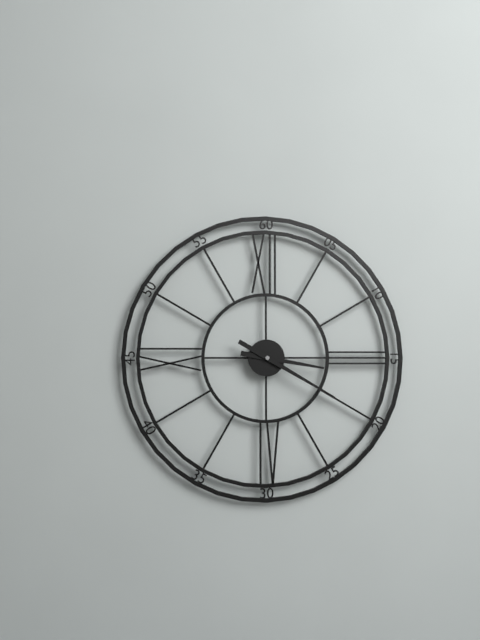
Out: {"hour": 3, "minute": 20}
